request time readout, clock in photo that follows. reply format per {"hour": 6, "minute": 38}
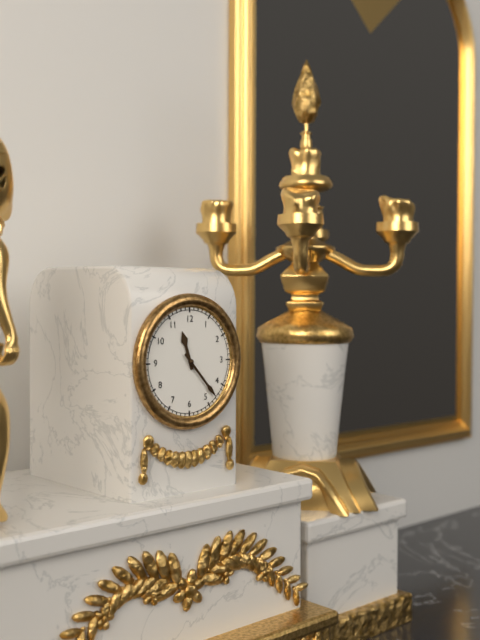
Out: {"hour": 11, "minute": 23}
